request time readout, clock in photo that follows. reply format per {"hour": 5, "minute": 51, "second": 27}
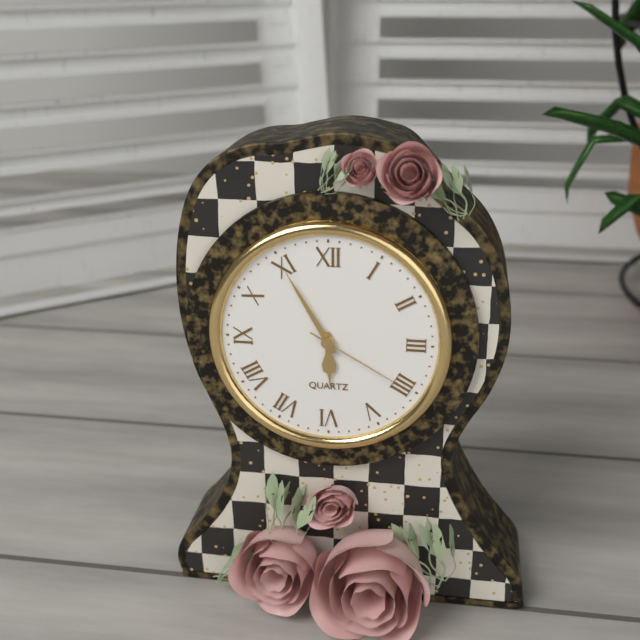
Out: {"hour": 5, "minute": 55, "second": 20}
